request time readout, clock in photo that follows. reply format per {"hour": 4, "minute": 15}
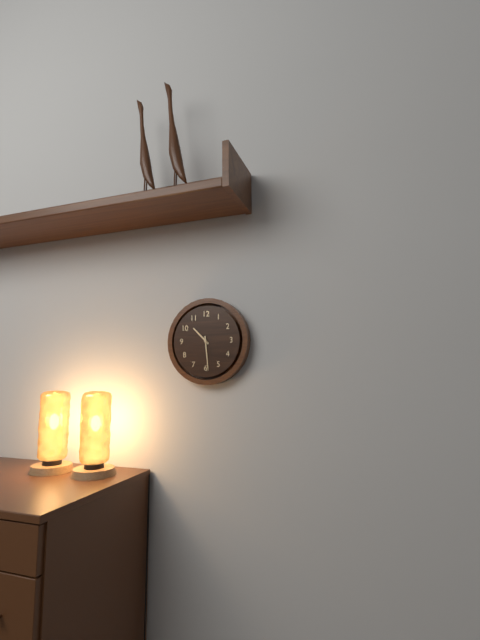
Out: {"hour": 10, "minute": 29}
